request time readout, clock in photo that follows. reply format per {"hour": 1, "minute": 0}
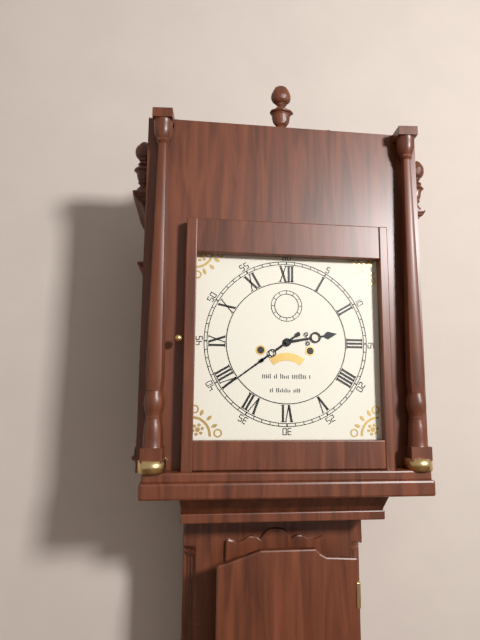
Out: {"hour": 2, "minute": 39}
